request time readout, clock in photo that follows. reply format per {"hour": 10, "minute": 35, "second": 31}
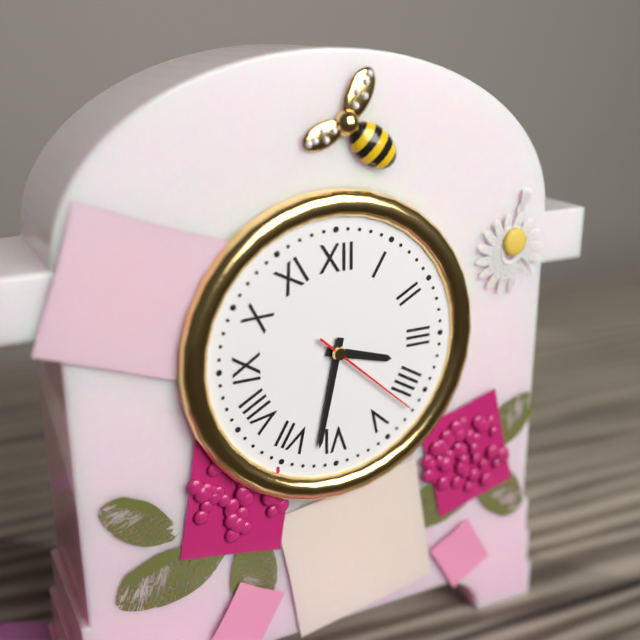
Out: {"hour": 3, "minute": 32, "second": 22}
